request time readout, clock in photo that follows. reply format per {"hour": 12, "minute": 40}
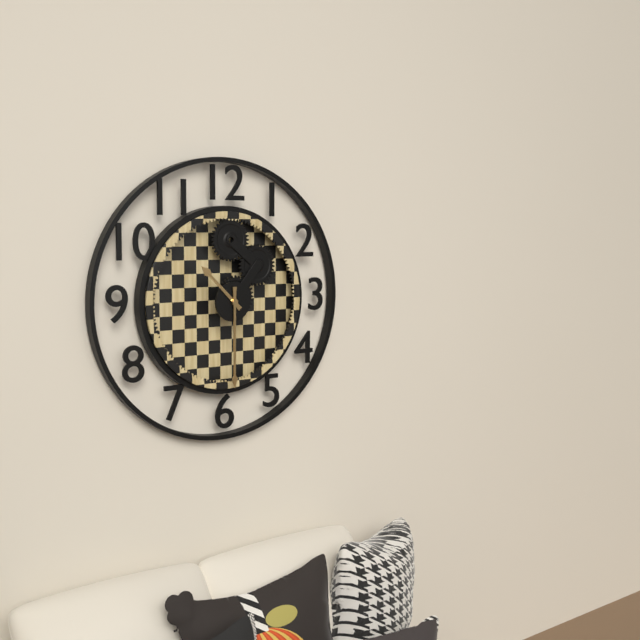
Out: {"hour": 10, "minute": 30}
